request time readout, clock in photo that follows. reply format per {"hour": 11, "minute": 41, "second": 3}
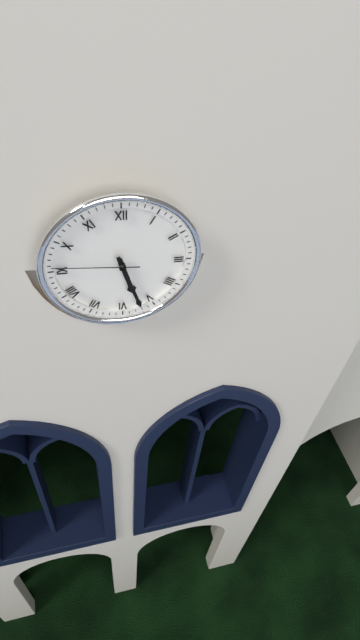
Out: {"hour": 5, "minute": 27, "second": 46}
